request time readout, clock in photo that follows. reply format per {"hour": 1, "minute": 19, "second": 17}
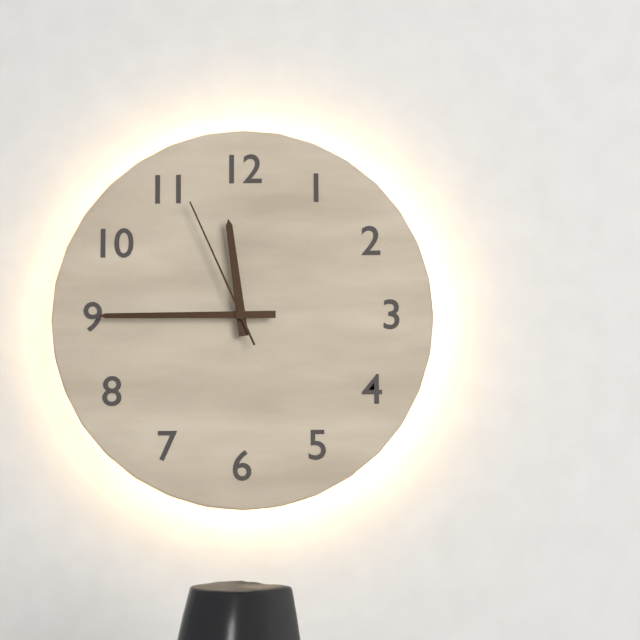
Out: {"hour": 11, "minute": 45, "second": 56}
